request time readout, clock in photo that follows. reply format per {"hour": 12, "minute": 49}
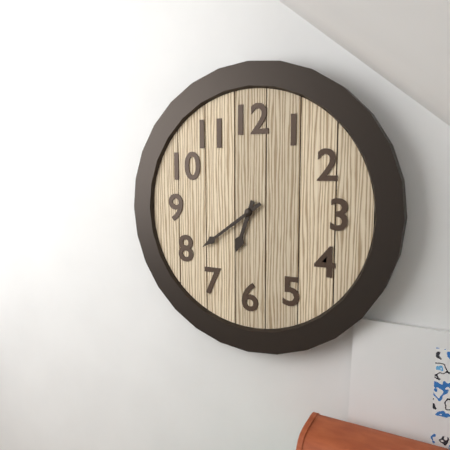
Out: {"hour": 6, "minute": 39}
